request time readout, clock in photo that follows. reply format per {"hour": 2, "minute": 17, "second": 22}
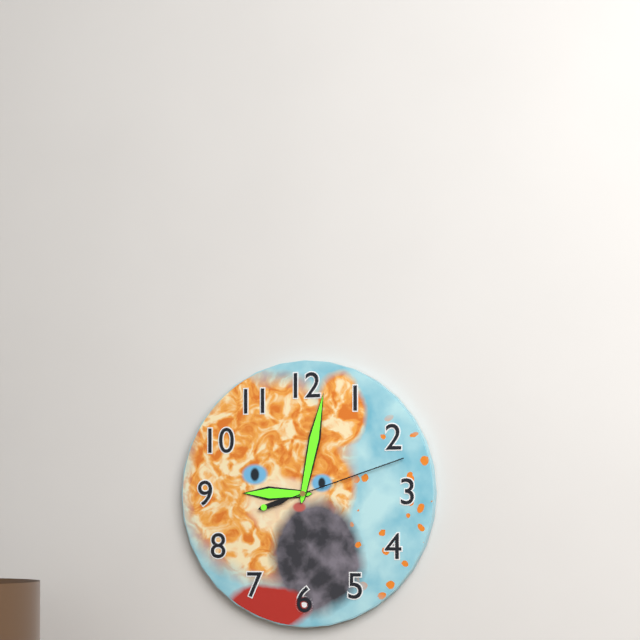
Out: {"hour": 9, "minute": 2, "second": 12}
